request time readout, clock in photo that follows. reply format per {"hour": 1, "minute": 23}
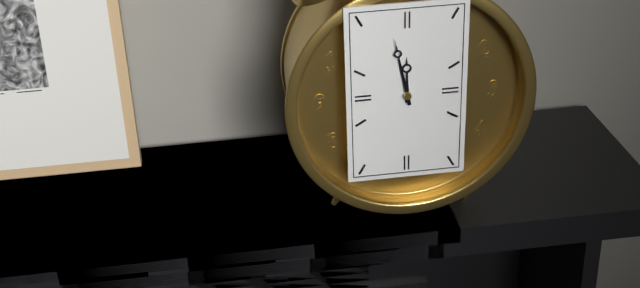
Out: {"hour": 11, "minute": 58}
